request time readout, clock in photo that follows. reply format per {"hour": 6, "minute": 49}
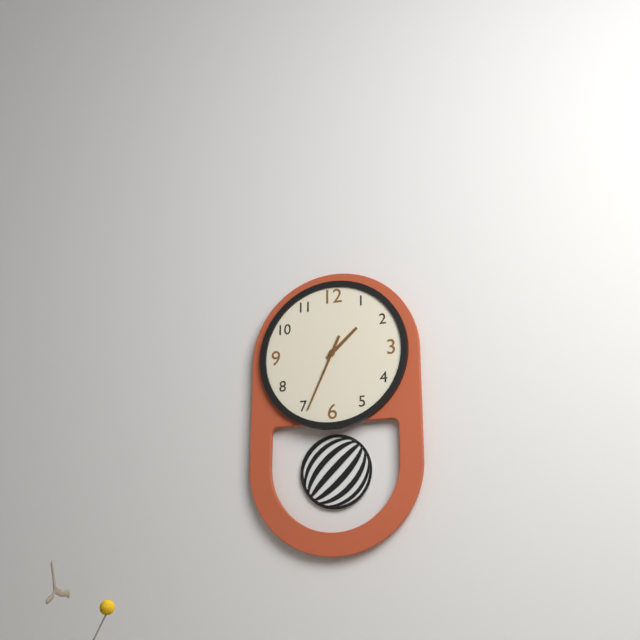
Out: {"hour": 1, "minute": 34}
